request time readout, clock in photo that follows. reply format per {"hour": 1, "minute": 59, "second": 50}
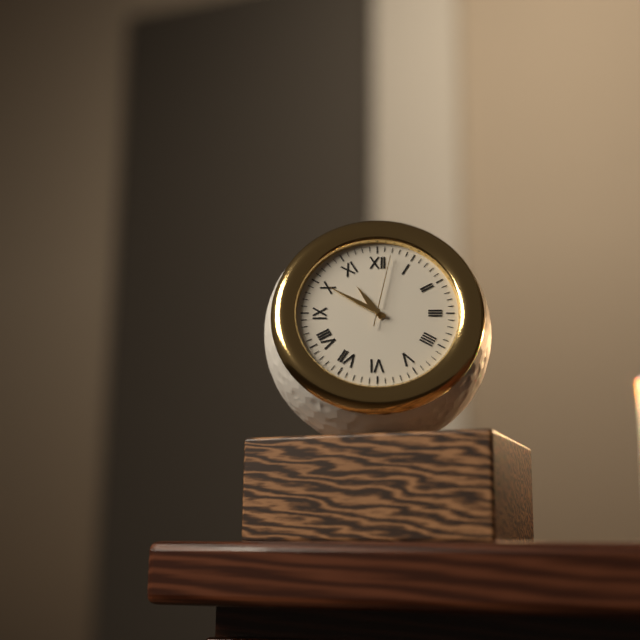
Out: {"hour": 10, "minute": 50, "second": 2}
